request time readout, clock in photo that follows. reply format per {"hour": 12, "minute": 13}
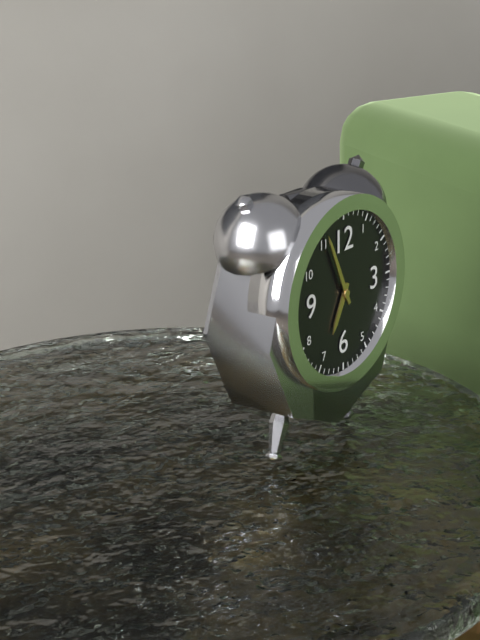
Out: {"hour": 6, "minute": 56}
